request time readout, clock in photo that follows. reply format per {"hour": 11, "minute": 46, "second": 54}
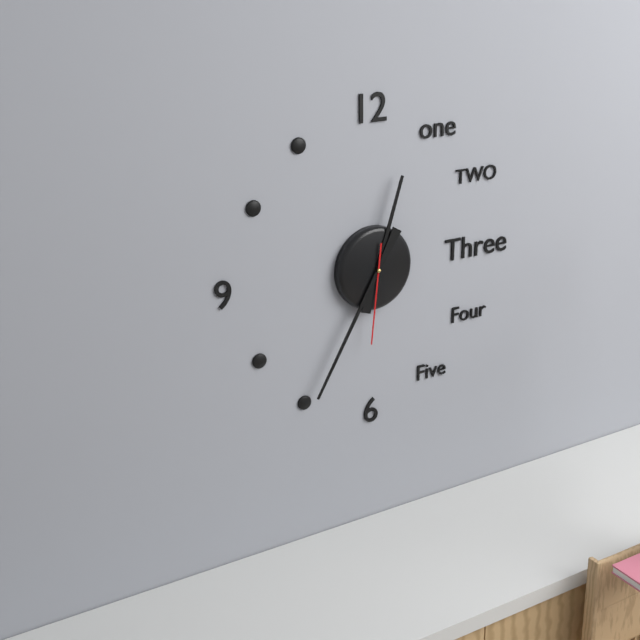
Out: {"hour": 12, "minute": 35, "second": 31}
